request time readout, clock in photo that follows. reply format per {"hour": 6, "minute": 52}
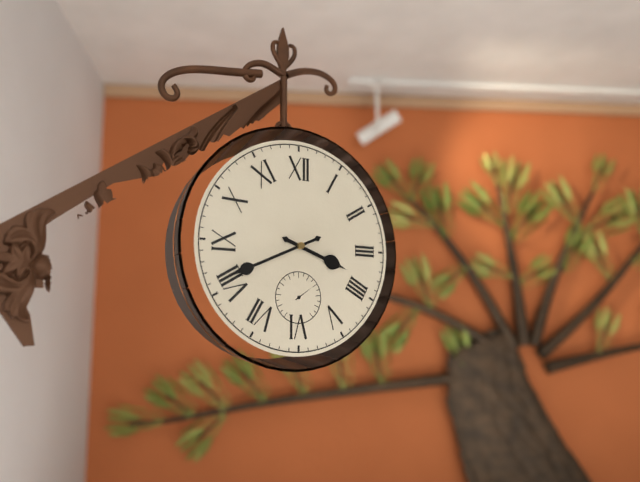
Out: {"hour": 3, "minute": 41}
